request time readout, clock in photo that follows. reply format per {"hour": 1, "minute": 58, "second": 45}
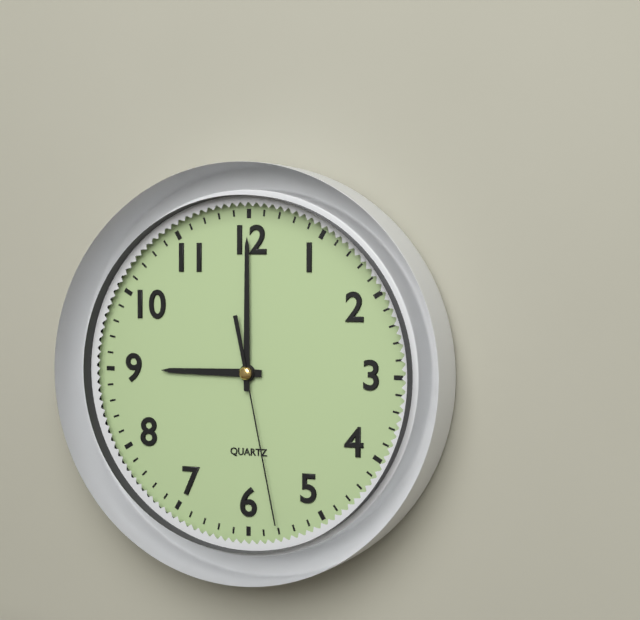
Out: {"hour": 9, "minute": 0, "second": 28}
